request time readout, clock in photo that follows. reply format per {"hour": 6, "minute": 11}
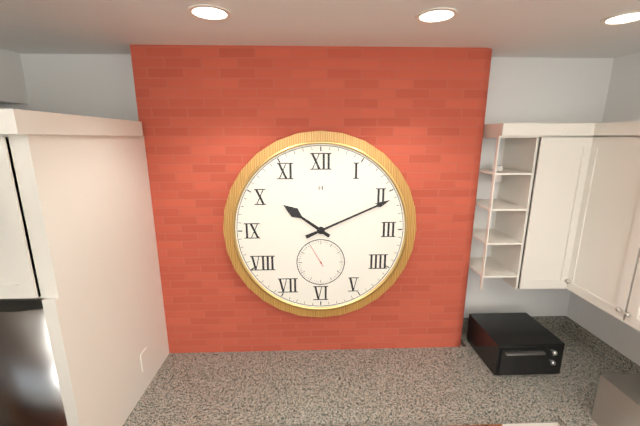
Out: {"hour": 10, "minute": 11}
